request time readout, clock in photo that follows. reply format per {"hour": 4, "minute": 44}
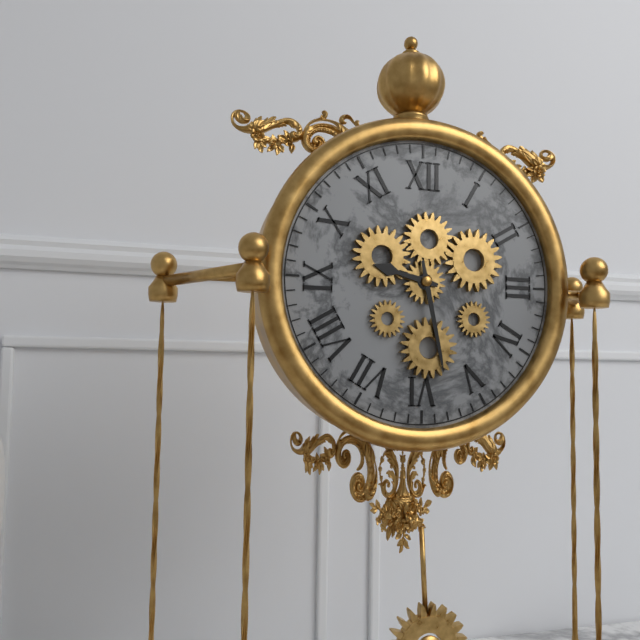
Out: {"hour": 9, "minute": 28}
